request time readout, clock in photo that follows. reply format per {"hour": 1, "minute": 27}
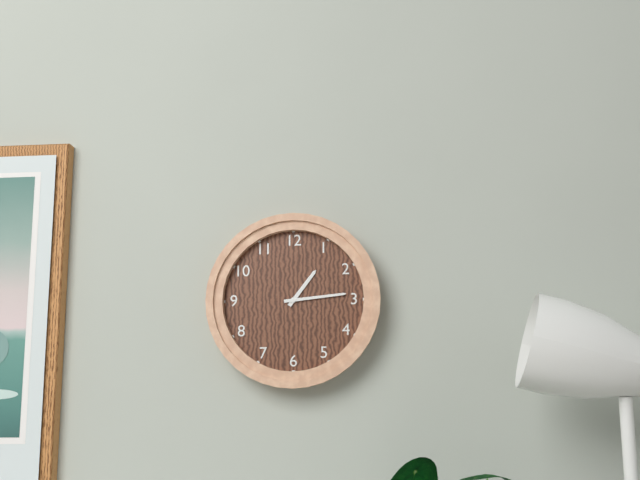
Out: {"hour": 1, "minute": 14}
